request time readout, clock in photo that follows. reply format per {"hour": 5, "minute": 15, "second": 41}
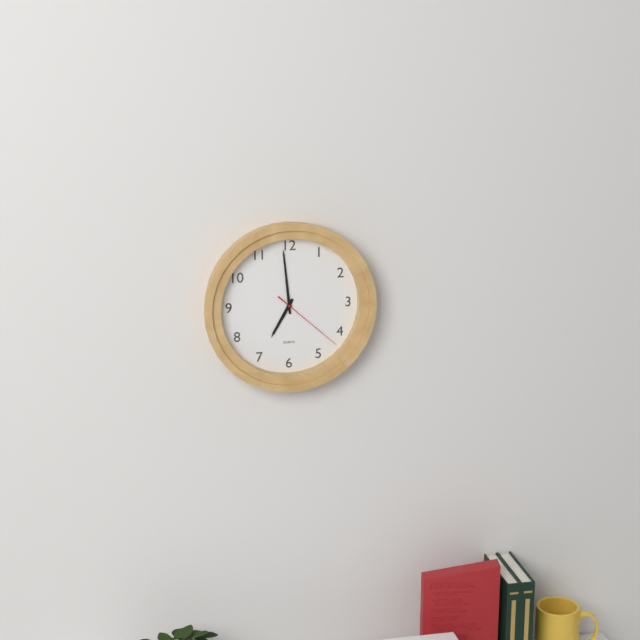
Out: {"hour": 6, "minute": 59, "second": 22}
